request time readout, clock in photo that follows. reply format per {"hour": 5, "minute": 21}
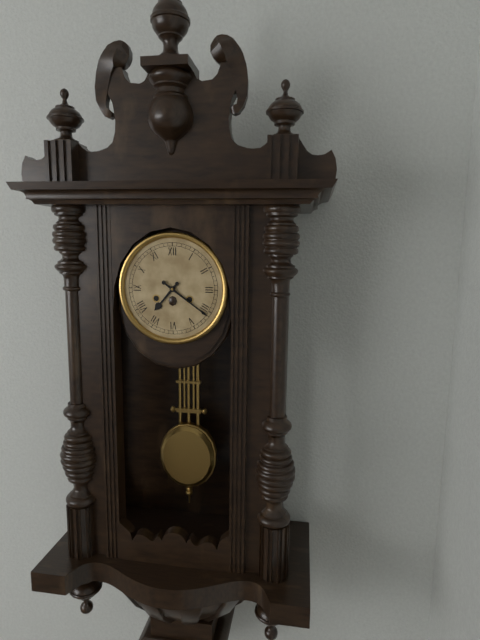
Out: {"hour": 7, "minute": 21}
